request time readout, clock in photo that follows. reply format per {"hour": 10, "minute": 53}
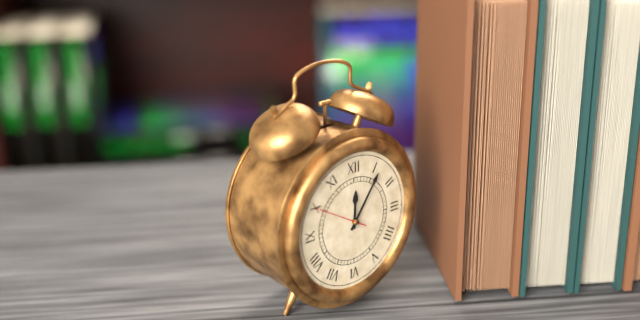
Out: {"hour": 12, "minute": 6}
